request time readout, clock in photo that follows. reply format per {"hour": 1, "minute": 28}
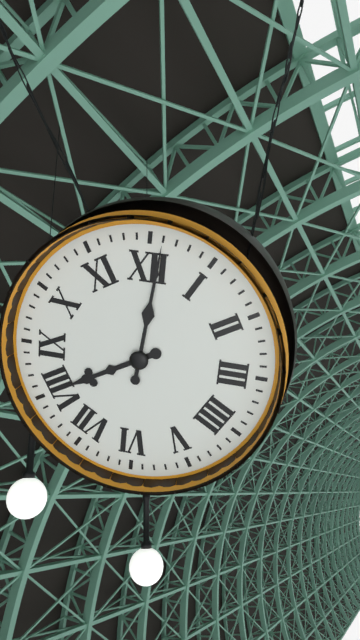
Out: {"hour": 8, "minute": 1}
